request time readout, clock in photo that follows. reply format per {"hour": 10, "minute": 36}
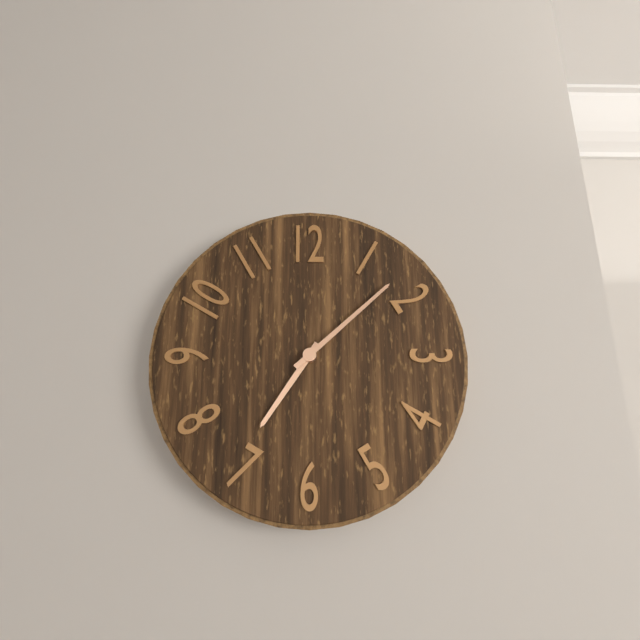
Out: {"hour": 7, "minute": 8}
